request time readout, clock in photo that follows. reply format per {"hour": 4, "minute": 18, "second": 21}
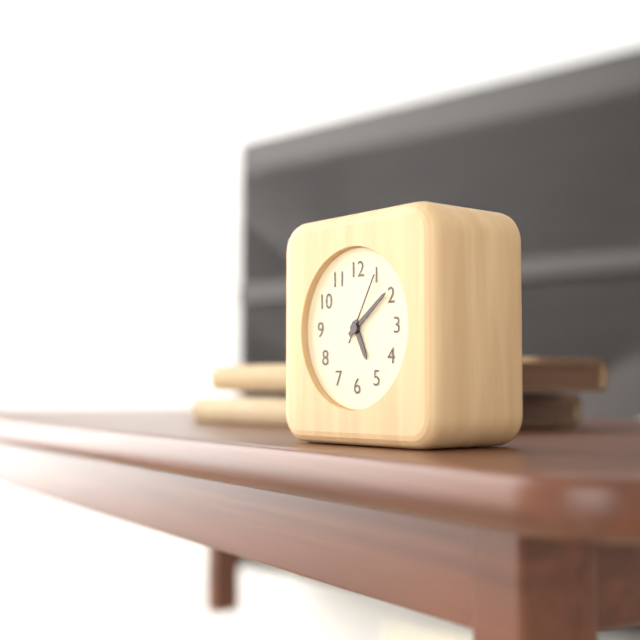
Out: {"hour": 5, "minute": 9, "second": 5}
